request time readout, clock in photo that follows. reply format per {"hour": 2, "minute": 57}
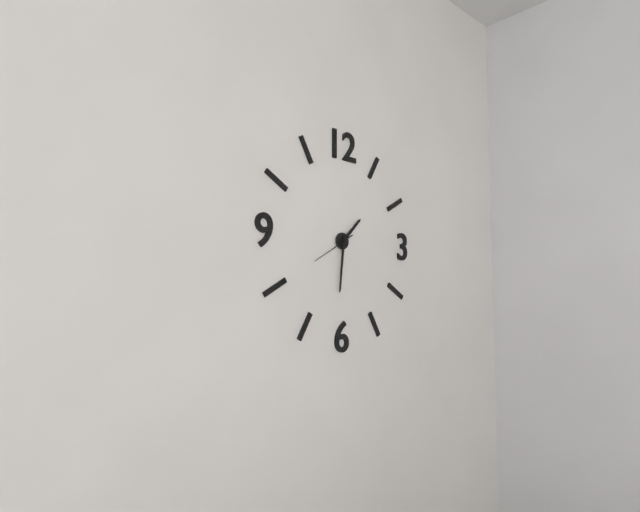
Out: {"hour": 1, "minute": 31}
